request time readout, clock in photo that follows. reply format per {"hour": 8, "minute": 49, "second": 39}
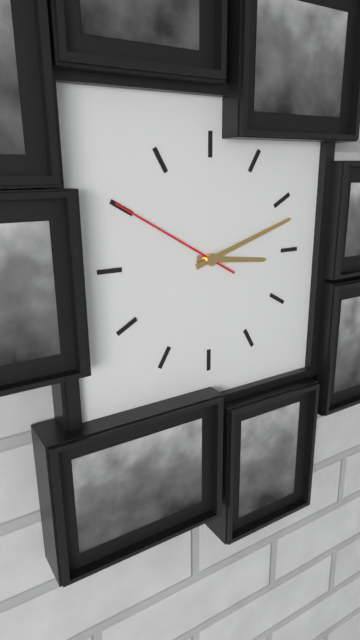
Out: {"hour": 3, "minute": 12, "second": 50}
